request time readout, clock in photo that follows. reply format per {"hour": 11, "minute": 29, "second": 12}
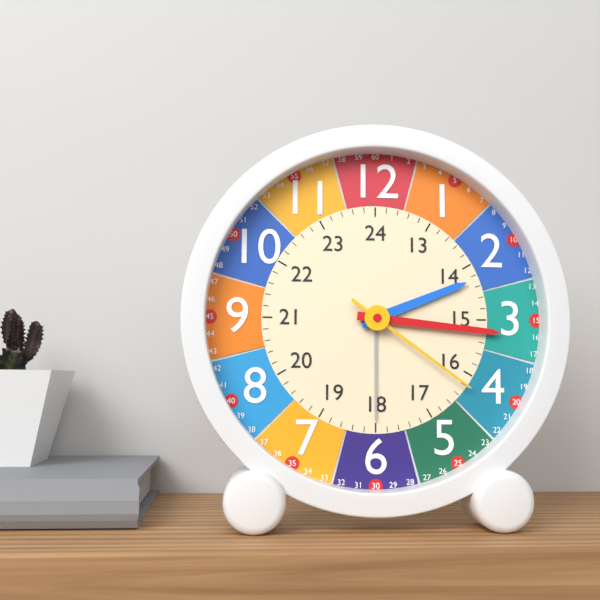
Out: {"hour": 2, "minute": 16, "second": 21}
